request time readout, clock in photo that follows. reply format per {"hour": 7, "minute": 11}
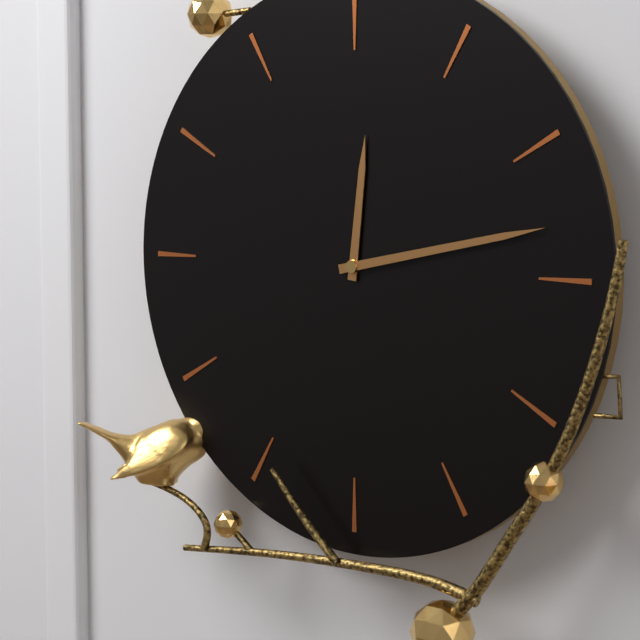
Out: {"hour": 12, "minute": 13}
